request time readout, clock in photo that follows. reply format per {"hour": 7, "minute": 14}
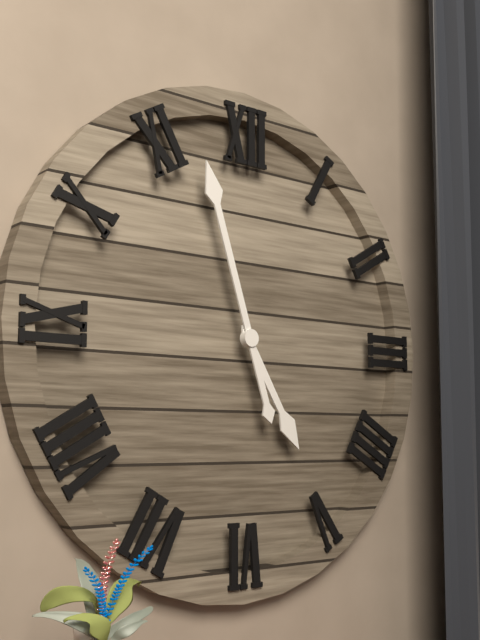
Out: {"hour": 4, "minute": 57}
